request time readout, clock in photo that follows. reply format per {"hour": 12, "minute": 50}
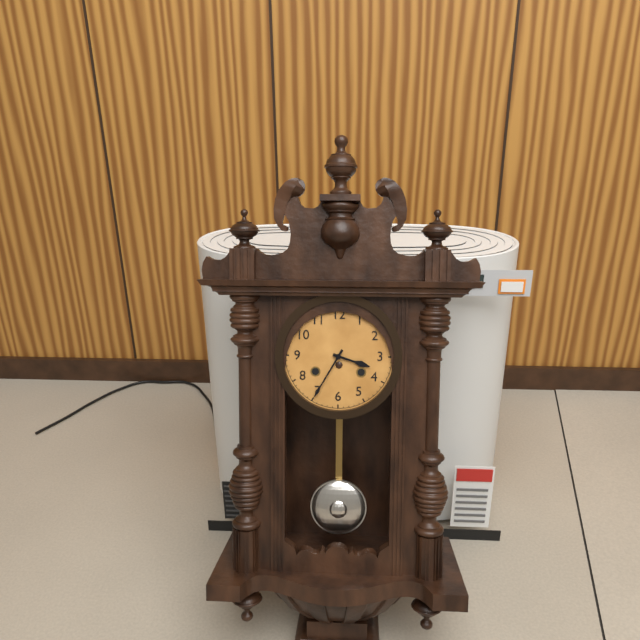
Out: {"hour": 3, "minute": 35}
